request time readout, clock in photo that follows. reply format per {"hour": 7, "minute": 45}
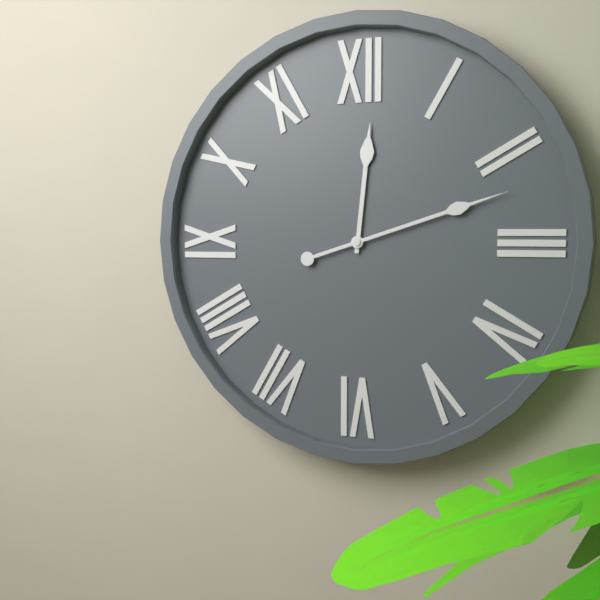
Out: {"hour": 12, "minute": 12}
